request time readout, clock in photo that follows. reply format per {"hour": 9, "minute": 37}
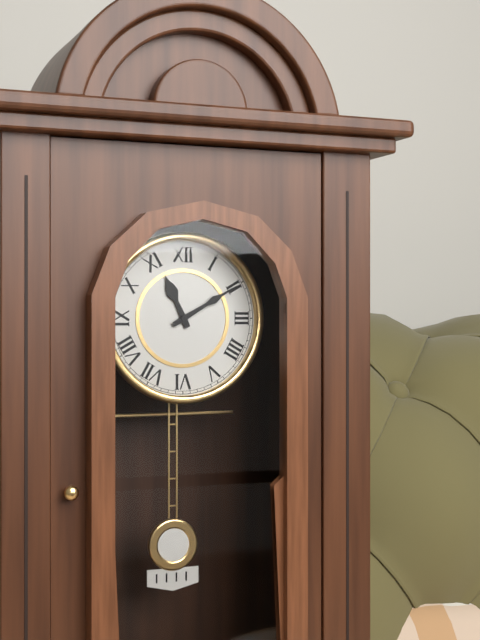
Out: {"hour": 11, "minute": 10}
